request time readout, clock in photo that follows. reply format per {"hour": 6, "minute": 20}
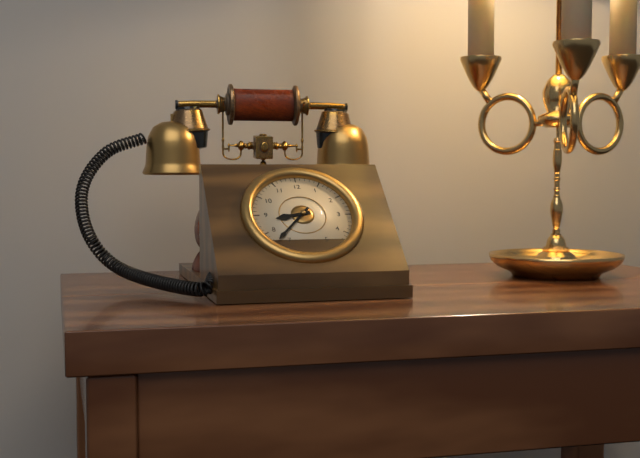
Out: {"hour": 8, "minute": 37}
